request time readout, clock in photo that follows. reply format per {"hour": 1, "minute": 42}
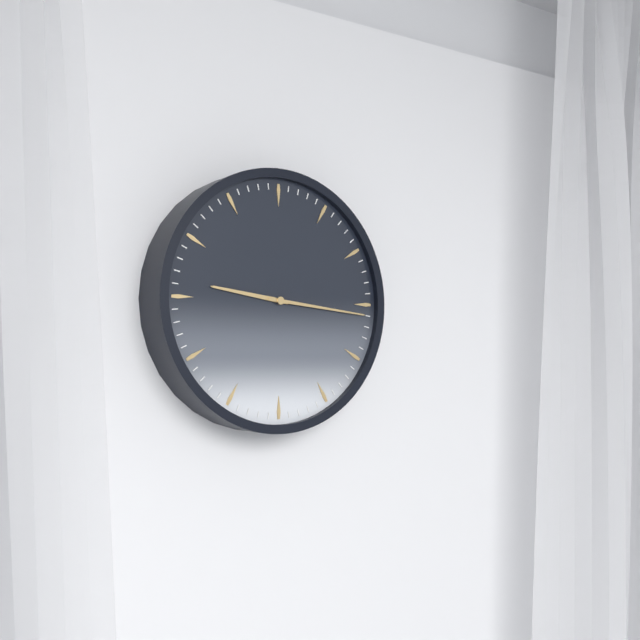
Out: {"hour": 9, "minute": 16}
